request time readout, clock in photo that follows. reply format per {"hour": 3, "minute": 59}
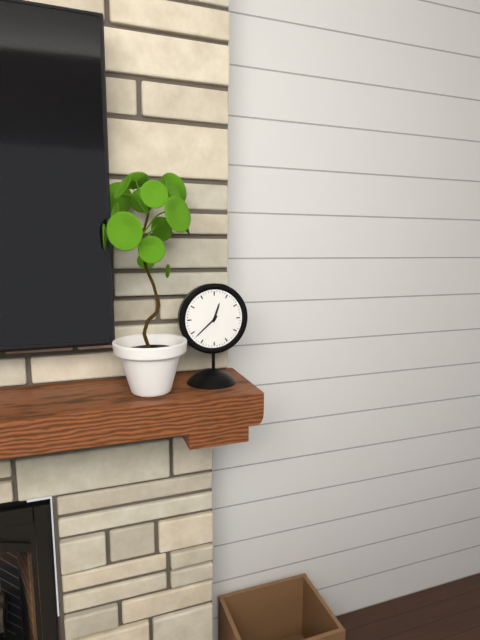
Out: {"hour": 12, "minute": 38}
